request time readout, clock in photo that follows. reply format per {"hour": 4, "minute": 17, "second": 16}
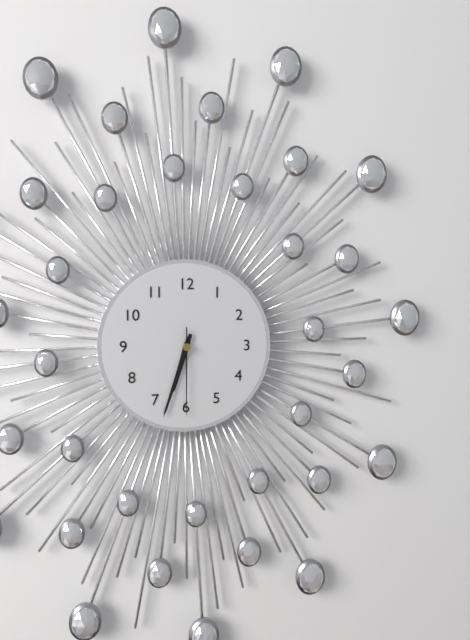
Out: {"hour": 6, "minute": 33, "second": 30}
